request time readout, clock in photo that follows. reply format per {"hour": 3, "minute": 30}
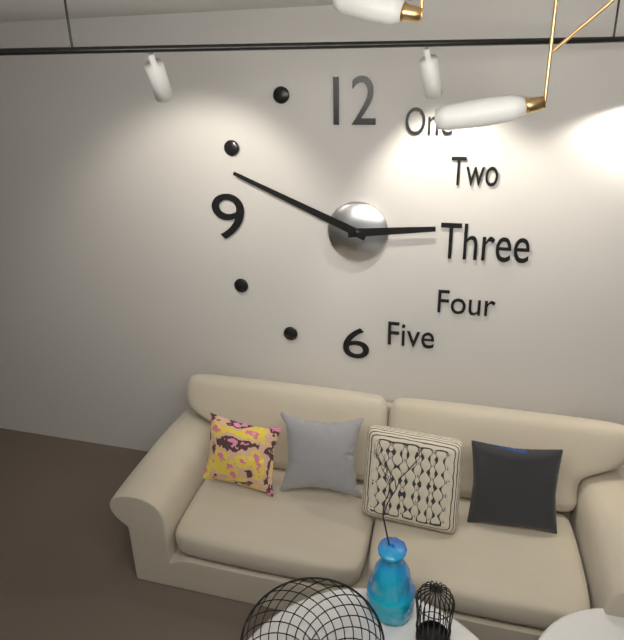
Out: {"hour": 2, "minute": 49}
